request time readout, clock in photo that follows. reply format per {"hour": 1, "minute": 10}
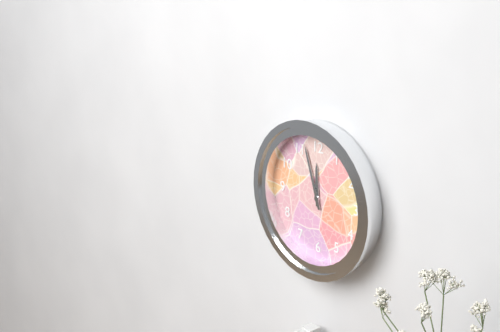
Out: {"hour": 11, "minute": 57}
